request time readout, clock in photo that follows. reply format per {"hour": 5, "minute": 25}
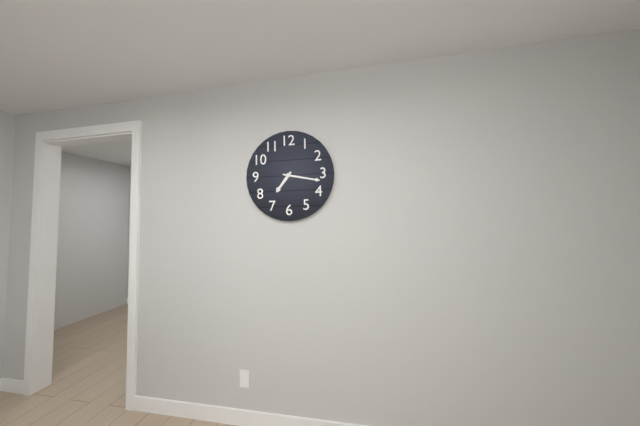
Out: {"hour": 7, "minute": 17}
